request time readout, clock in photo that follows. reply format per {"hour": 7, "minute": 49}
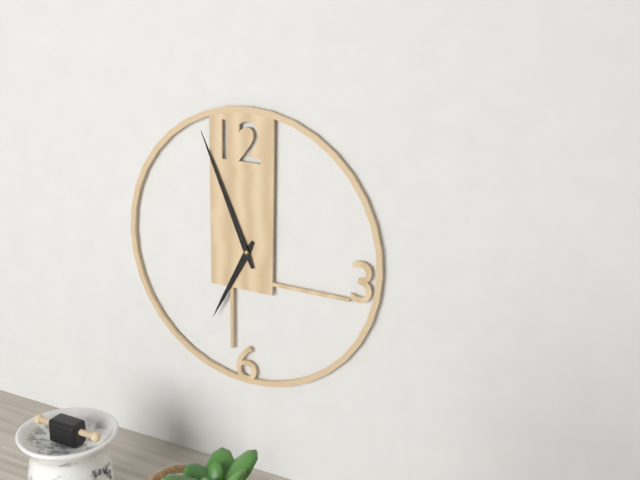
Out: {"hour": 6, "minute": 56}
